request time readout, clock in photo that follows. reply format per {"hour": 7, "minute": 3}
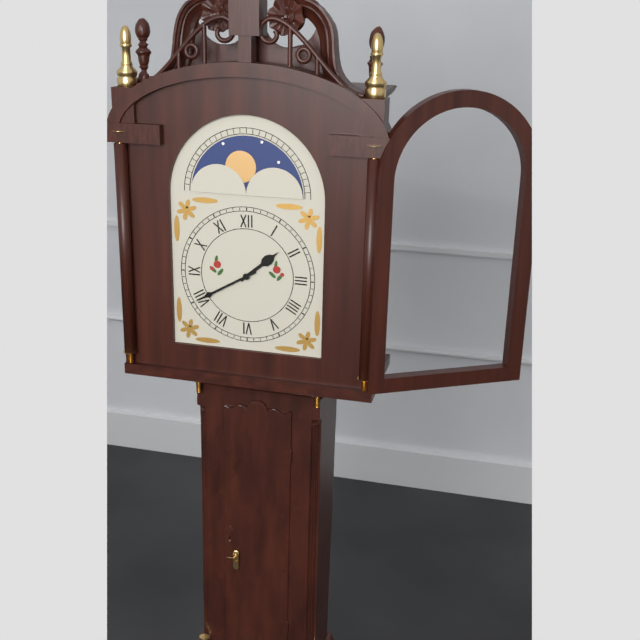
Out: {"hour": 1, "minute": 40}
